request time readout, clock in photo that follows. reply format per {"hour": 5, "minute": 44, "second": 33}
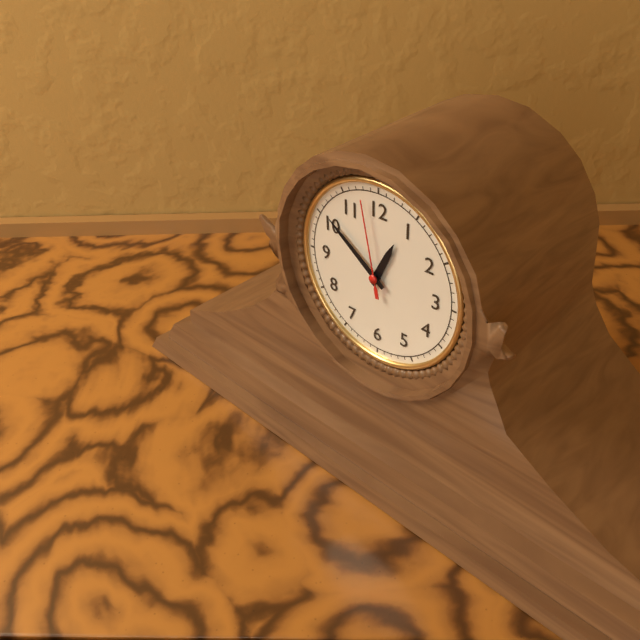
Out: {"hour": 12, "minute": 51, "second": 58}
